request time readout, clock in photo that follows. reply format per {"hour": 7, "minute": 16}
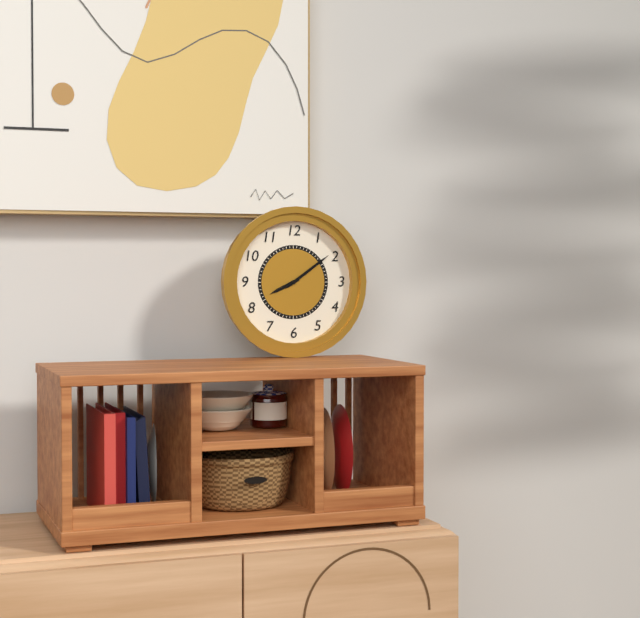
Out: {"hour": 8, "minute": 9}
